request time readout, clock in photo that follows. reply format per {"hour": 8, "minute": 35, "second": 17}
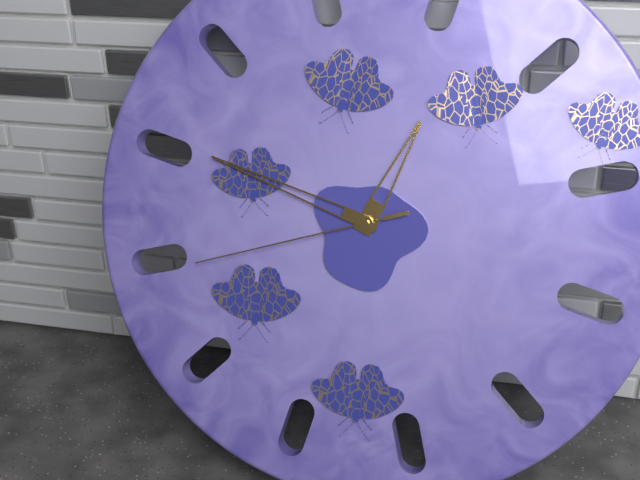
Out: {"hour": 12, "minute": 48, "second": 42}
